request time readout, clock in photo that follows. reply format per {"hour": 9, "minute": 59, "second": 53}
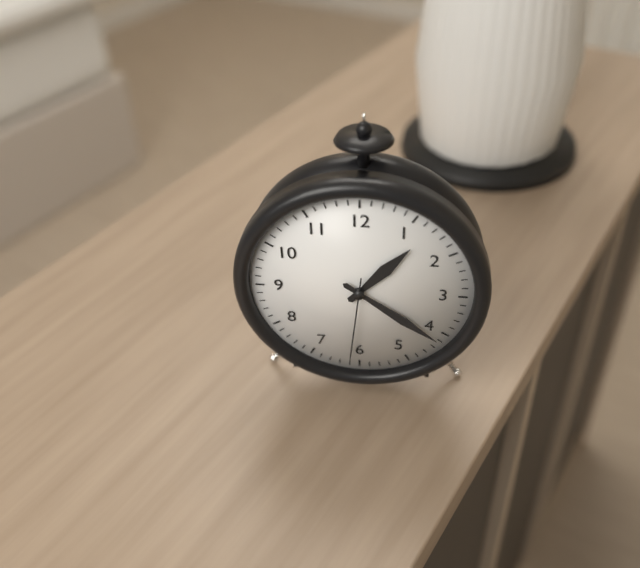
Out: {"hour": 1, "minute": 21, "second": 31}
